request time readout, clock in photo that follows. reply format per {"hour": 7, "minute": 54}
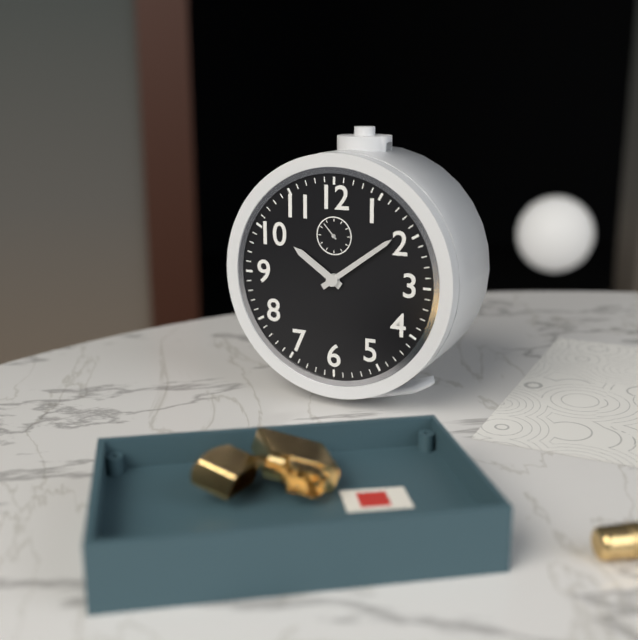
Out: {"hour": 10, "minute": 9}
